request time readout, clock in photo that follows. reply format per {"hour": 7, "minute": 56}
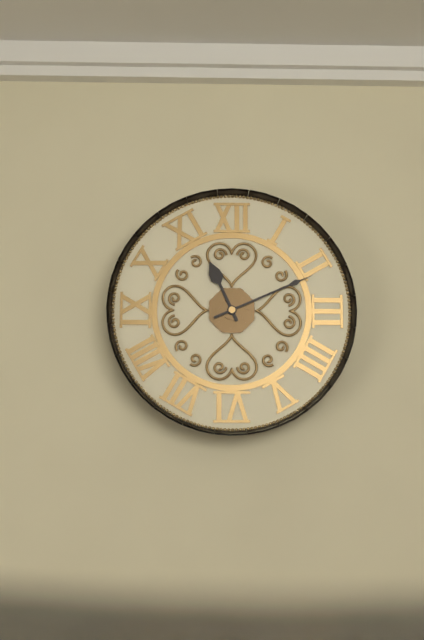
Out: {"hour": 11, "minute": 11}
